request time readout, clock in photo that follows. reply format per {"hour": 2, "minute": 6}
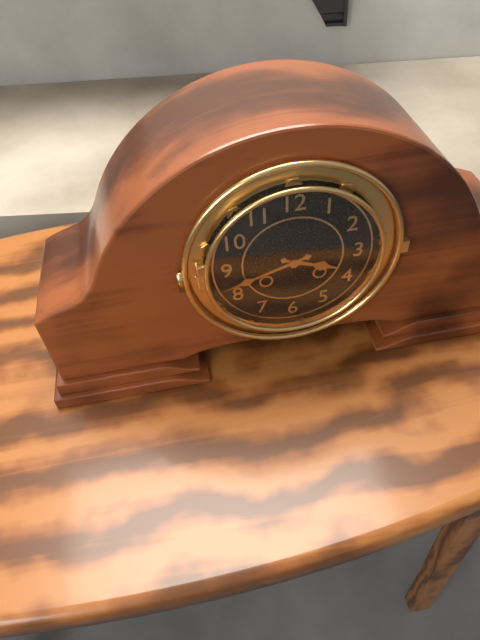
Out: {"hour": 3, "minute": 42}
